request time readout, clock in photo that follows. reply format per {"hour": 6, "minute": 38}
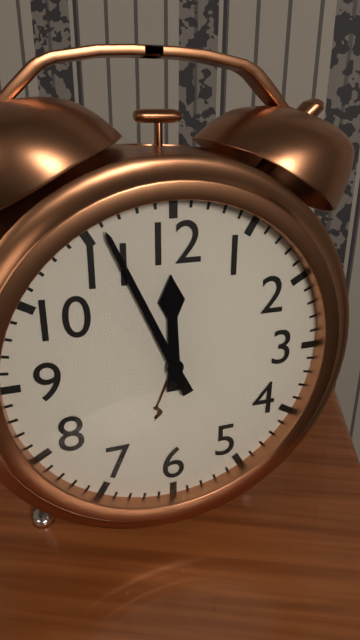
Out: {"hour": 11, "minute": 56}
